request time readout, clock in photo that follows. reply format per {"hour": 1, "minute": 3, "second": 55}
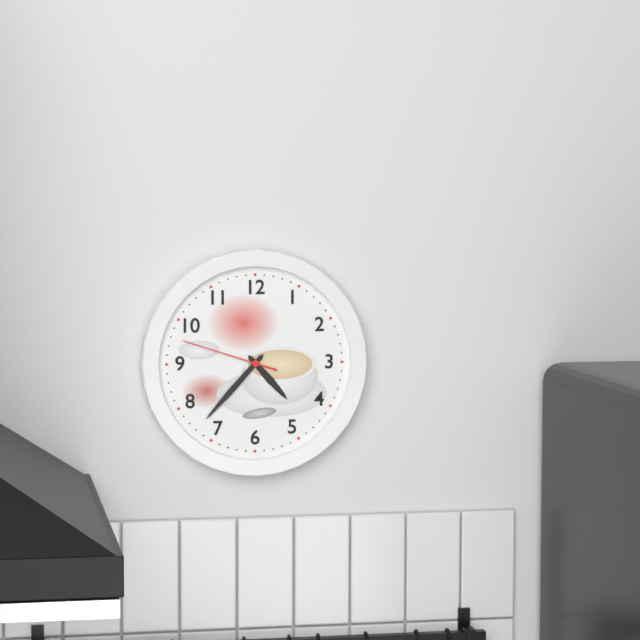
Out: {"hour": 4, "minute": 37, "second": 48}
